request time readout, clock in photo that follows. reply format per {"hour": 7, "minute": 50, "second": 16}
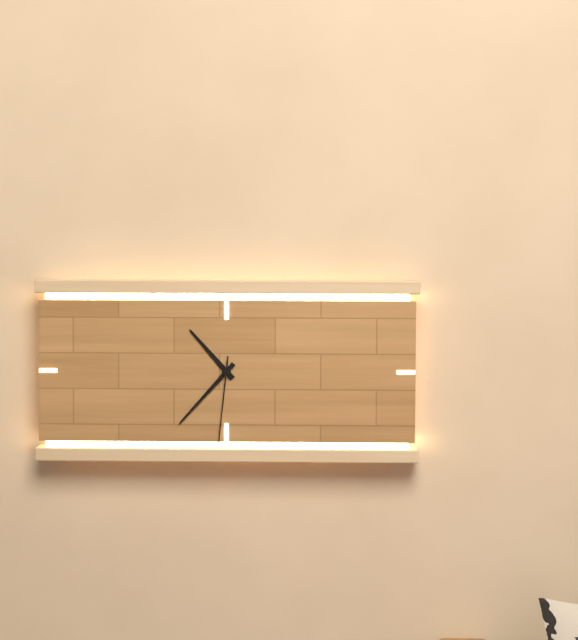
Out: {"hour": 10, "minute": 37, "second": 31}
